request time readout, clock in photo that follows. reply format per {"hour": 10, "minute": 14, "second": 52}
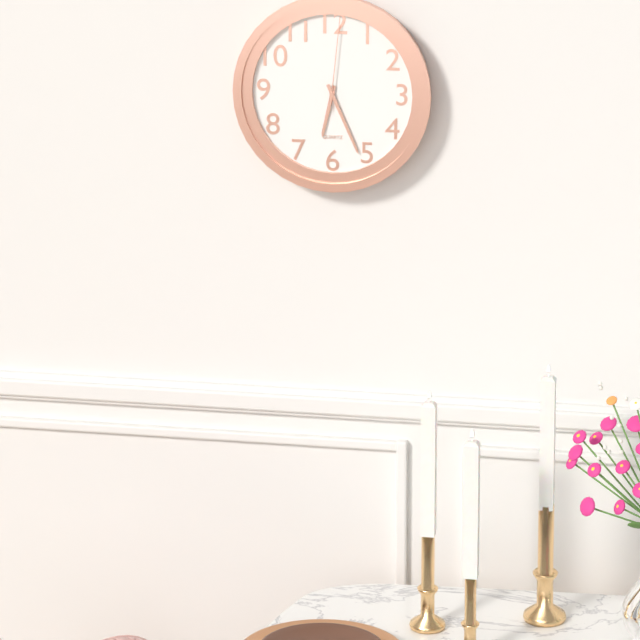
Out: {"hour": 6, "minute": 26, "second": 1}
